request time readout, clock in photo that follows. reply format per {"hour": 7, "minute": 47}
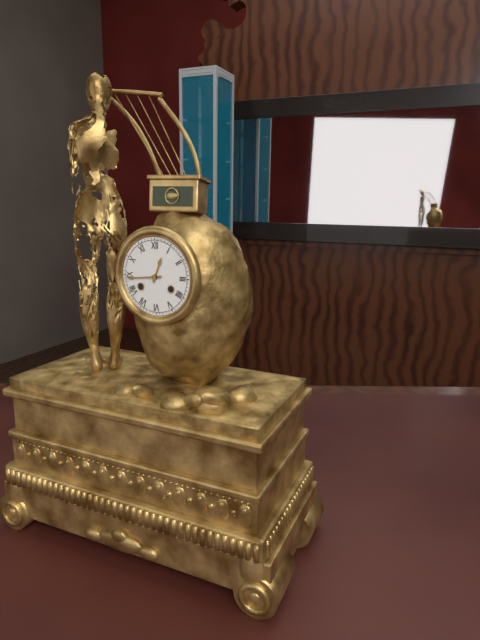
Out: {"hour": 12, "minute": 44}
